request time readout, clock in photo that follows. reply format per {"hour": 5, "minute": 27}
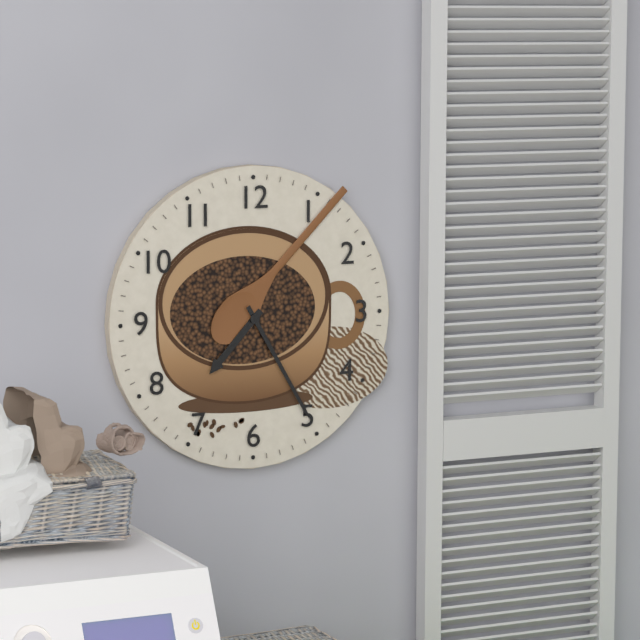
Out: {"hour": 7, "minute": 25}
